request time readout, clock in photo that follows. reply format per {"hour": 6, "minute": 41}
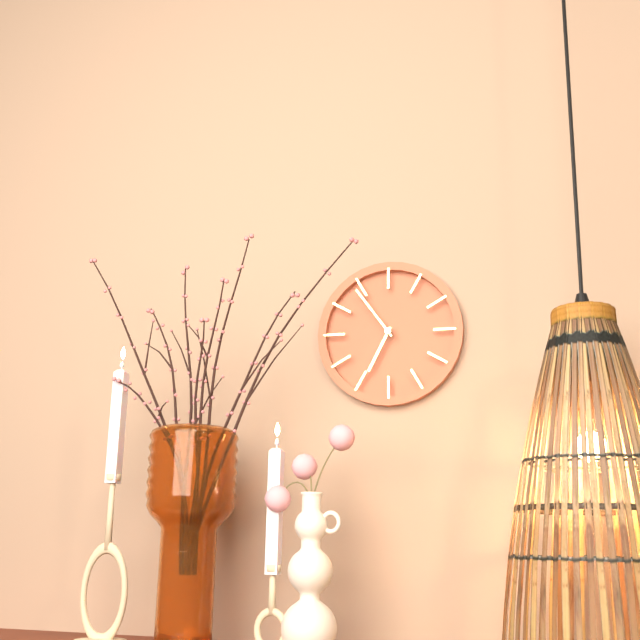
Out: {"hour": 6, "minute": 54}
